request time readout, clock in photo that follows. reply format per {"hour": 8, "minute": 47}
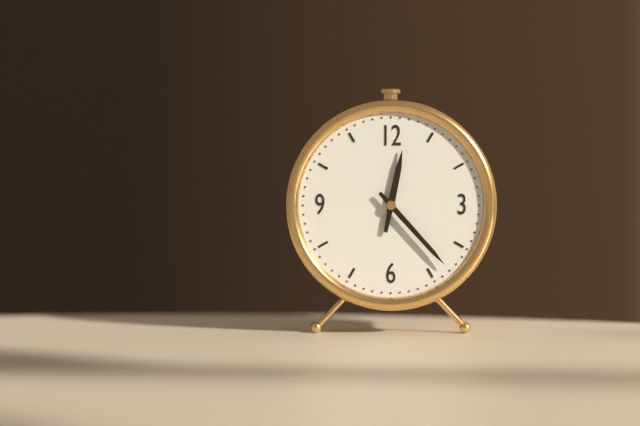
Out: {"hour": 12, "minute": 23}
